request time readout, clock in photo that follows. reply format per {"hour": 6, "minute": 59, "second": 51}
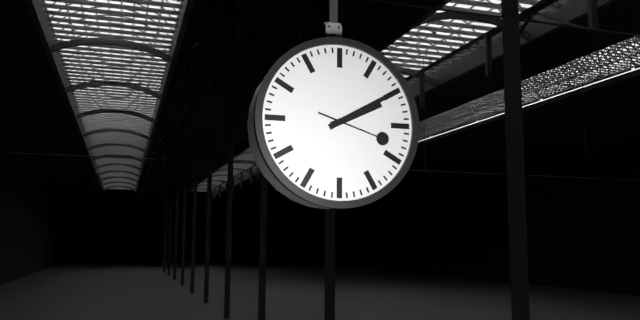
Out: {"hour": 2, "minute": 10, "second": 18}
